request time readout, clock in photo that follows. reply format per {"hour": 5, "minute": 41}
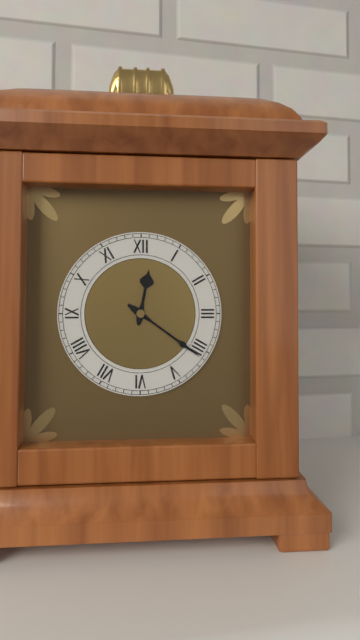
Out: {"hour": 12, "minute": 21}
